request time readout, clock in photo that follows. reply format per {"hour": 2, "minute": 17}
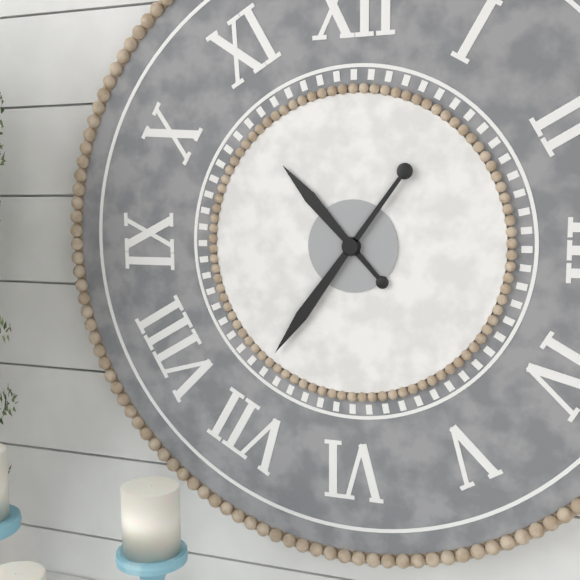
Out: {"hour": 10, "minute": 36}
